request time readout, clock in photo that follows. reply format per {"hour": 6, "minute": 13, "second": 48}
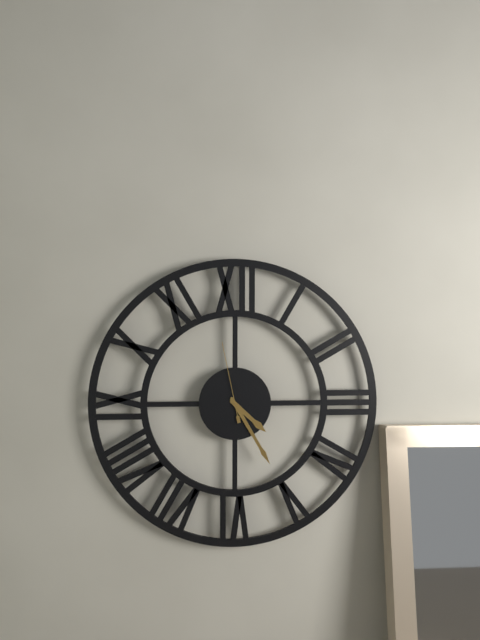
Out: {"hour": 4, "minute": 25, "second": 58}
